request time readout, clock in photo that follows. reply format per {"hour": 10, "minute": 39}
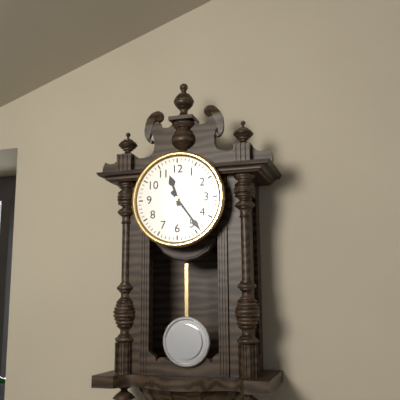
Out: {"hour": 11, "minute": 24}
